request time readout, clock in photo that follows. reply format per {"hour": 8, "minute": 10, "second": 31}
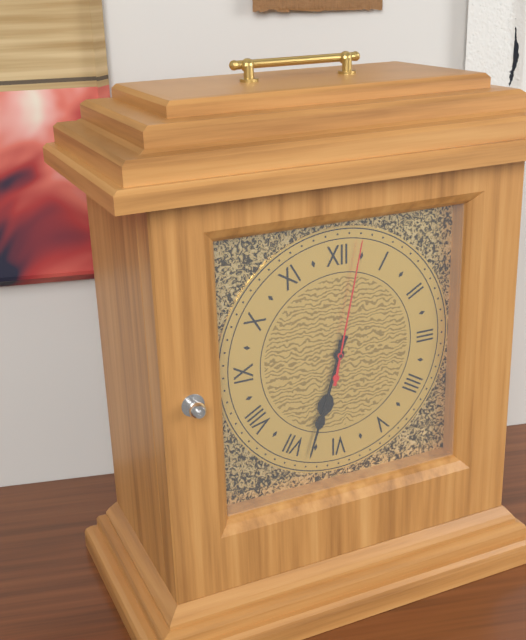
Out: {"hour": 6, "minute": 33, "second": 2}
